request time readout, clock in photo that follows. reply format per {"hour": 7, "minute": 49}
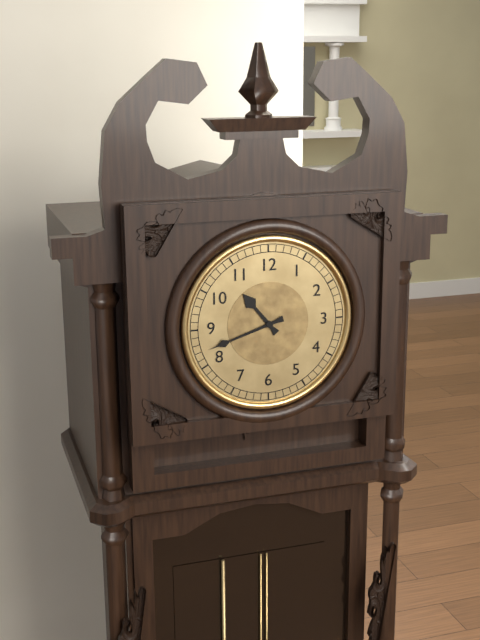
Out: {"hour": 10, "minute": 42}
